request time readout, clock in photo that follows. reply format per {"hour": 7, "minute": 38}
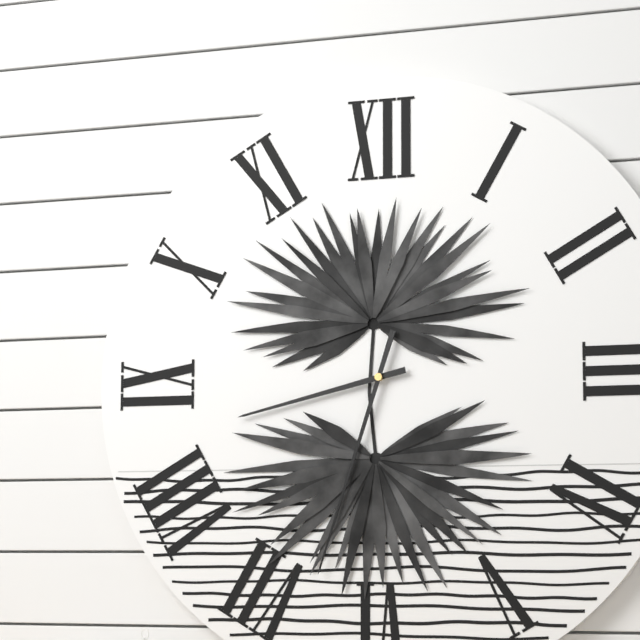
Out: {"hour": 8, "minute": 33}
